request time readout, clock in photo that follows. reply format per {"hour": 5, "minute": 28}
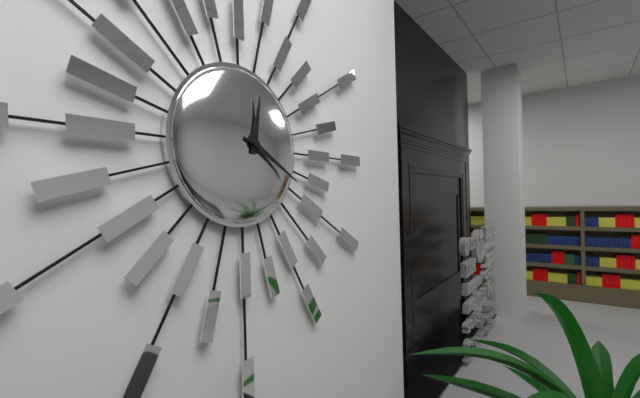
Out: {"hour": 12, "minute": 20}
